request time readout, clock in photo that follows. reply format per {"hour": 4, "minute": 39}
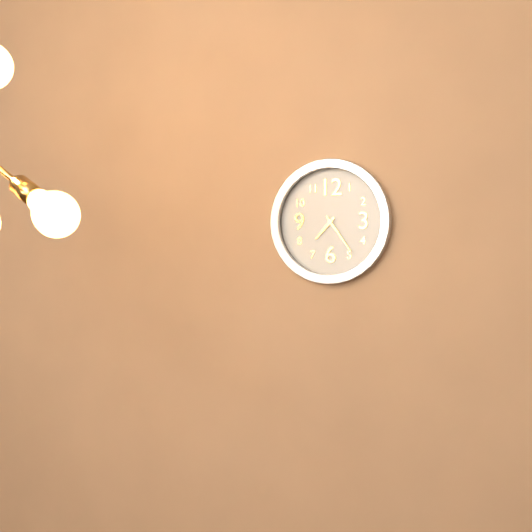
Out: {"hour": 7, "minute": 24}
